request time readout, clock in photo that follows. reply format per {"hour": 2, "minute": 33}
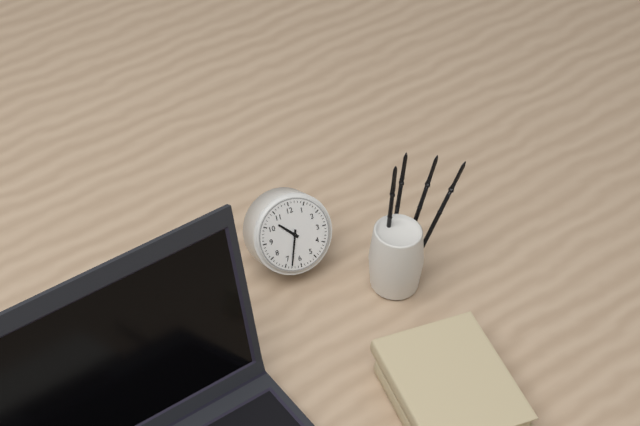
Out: {"hour": 10, "minute": 33}
